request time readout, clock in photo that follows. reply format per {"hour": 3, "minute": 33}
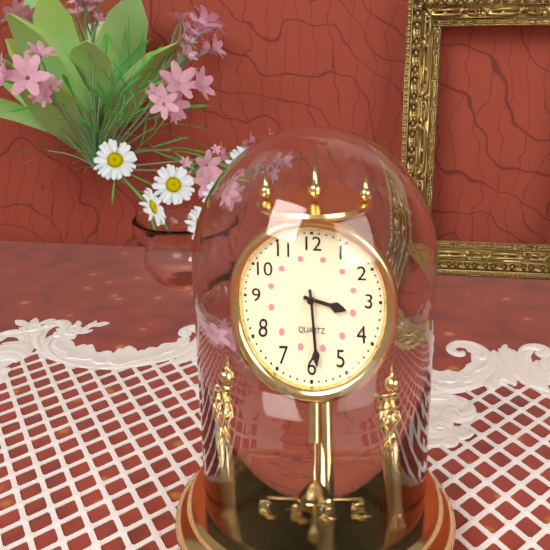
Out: {"hour": 3, "minute": 29}
